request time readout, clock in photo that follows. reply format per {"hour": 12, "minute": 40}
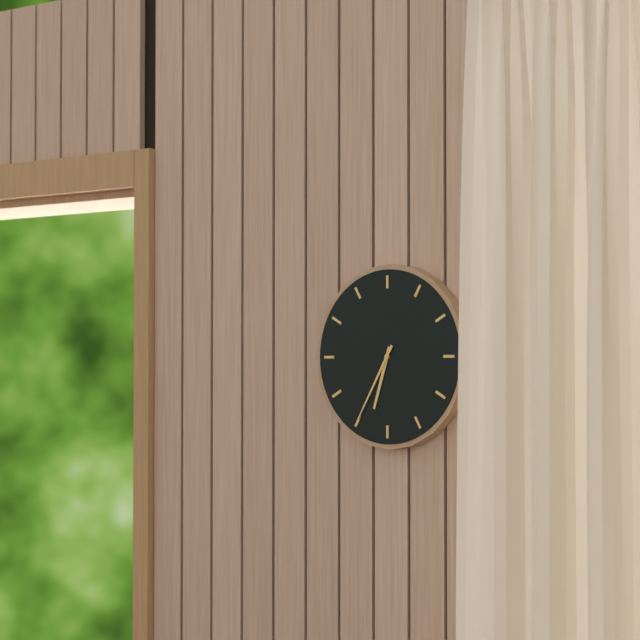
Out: {"hour": 6, "minute": 35}
